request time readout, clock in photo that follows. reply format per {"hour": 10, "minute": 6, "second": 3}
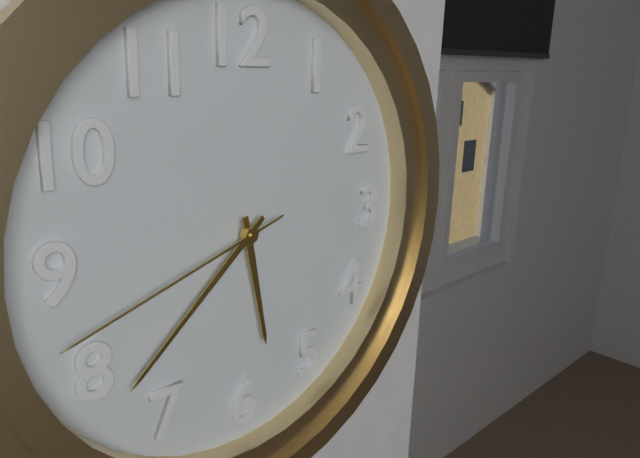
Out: {"hour": 5, "minute": 38, "second": 42}
